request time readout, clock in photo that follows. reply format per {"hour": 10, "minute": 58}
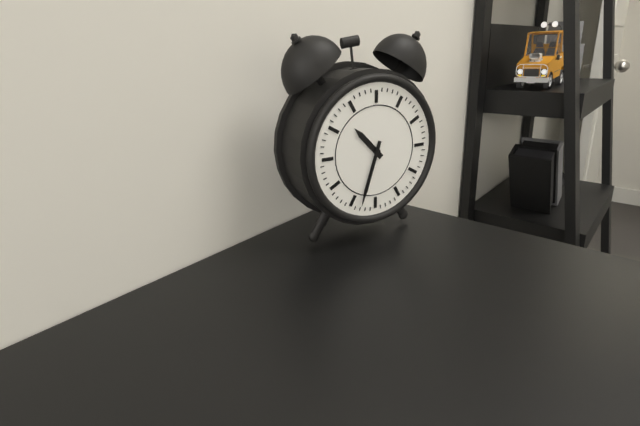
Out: {"hour": 10, "minute": 33}
